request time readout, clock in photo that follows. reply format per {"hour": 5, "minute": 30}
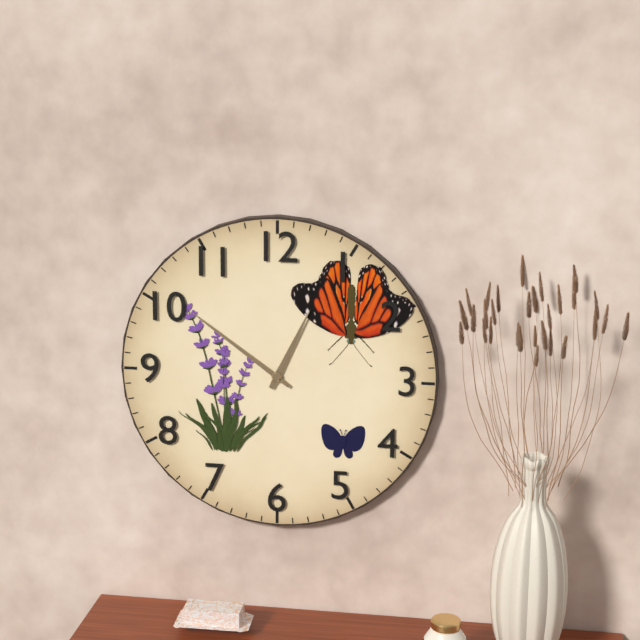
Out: {"hour": 12, "minute": 51}
